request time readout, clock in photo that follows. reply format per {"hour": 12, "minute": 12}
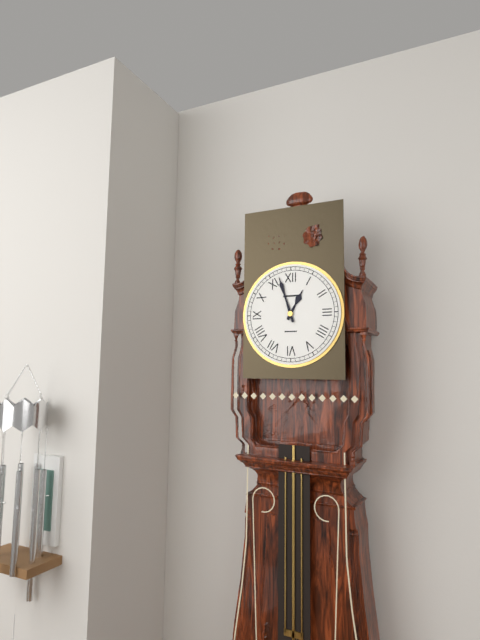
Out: {"hour": 12, "minute": 57}
